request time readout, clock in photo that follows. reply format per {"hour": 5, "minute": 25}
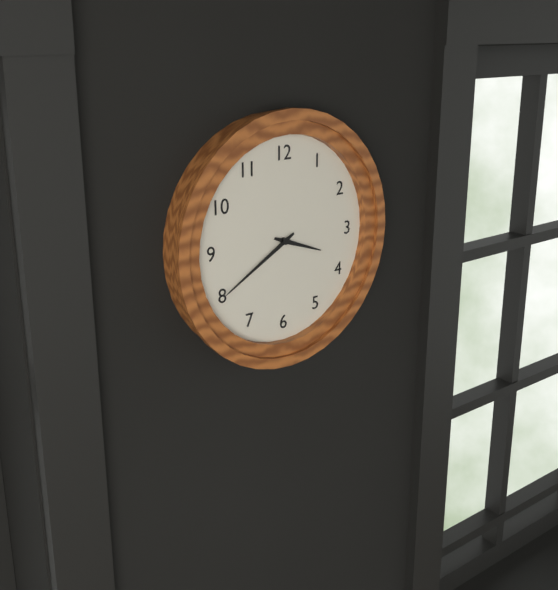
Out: {"hour": 3, "minute": 40}
